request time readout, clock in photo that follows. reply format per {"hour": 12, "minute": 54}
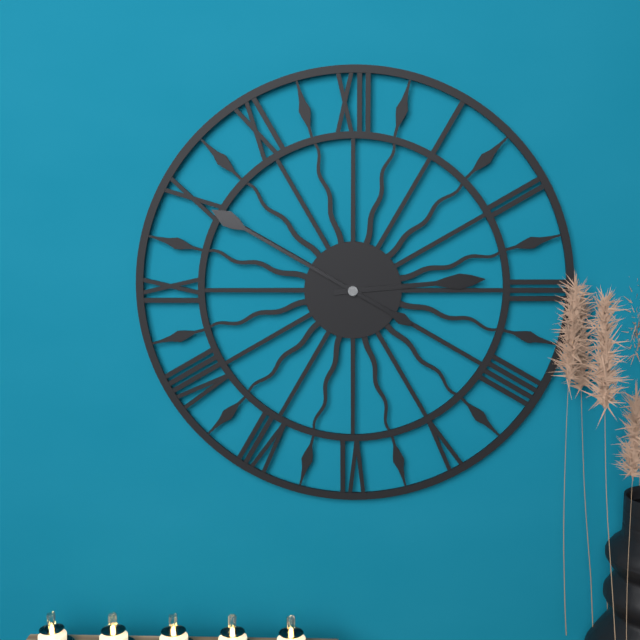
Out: {"hour": 2, "minute": 50}
